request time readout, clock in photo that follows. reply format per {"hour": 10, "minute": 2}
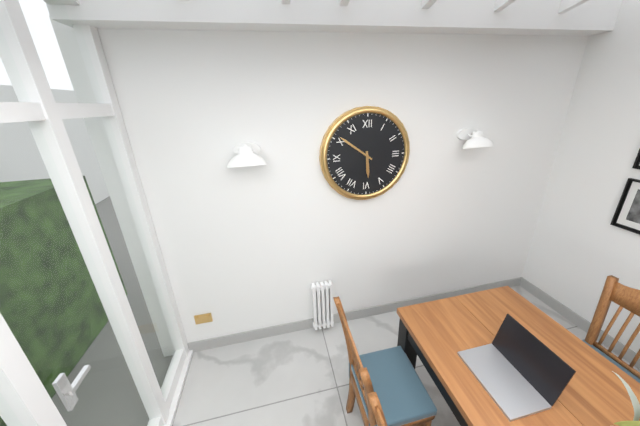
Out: {"hour": 5, "minute": 51}
